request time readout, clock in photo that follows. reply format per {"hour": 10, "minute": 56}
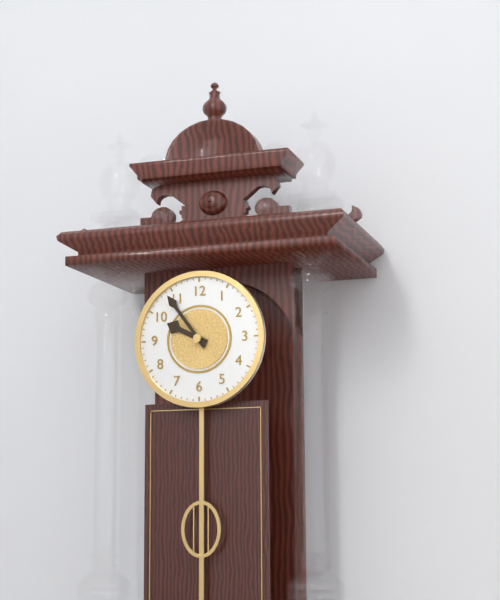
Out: {"hour": 9, "minute": 54}
